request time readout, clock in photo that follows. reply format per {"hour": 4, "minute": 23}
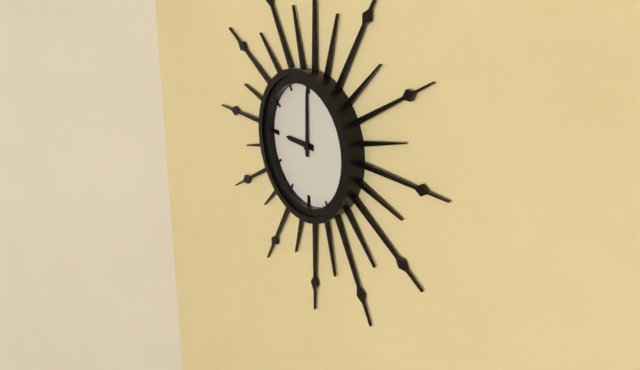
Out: {"hour": 9, "minute": 0}
